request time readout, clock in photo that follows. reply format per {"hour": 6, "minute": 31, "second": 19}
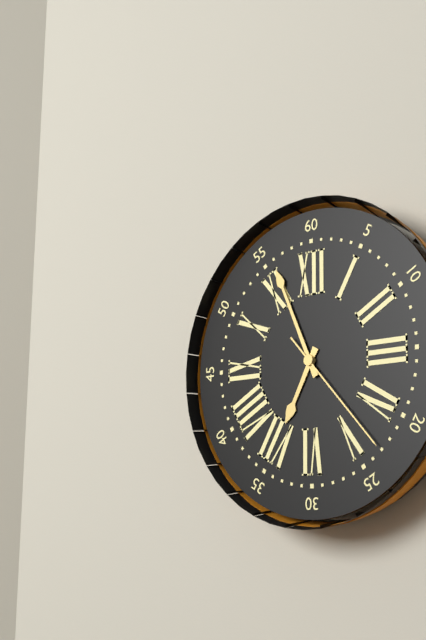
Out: {"hour": 6, "minute": 56, "second": 23}
